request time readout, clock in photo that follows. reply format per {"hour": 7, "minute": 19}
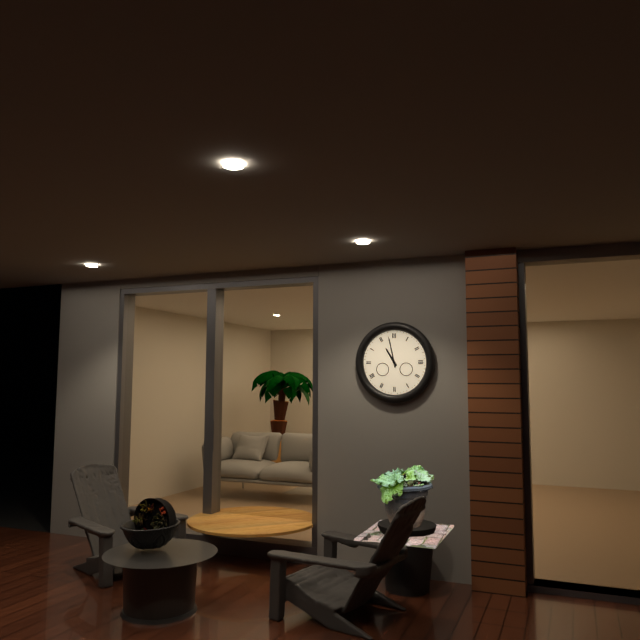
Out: {"hour": 10, "minute": 58}
